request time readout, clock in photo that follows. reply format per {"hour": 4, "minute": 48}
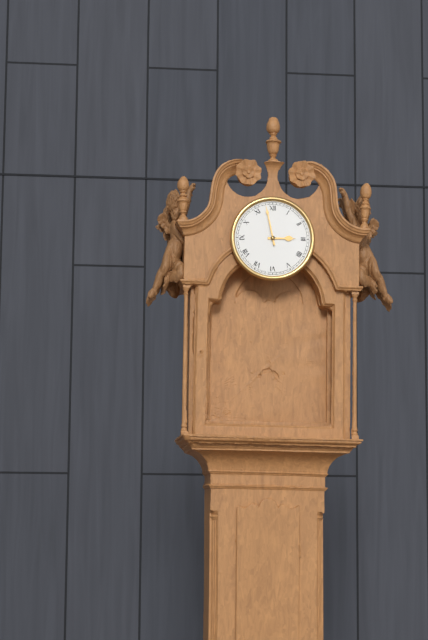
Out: {"hour": 2, "minute": 58}
